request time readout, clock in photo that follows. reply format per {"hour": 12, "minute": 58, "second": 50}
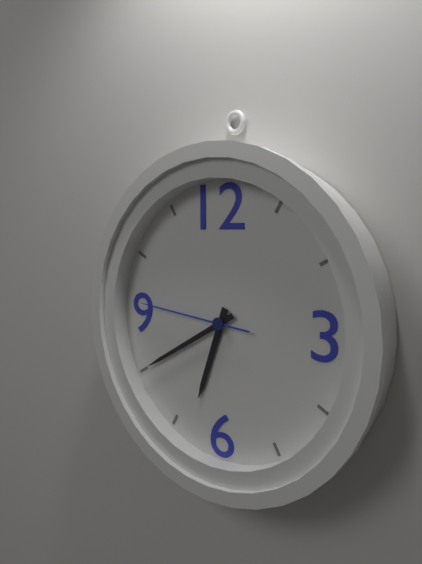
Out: {"hour": 6, "minute": 40, "second": 46}
